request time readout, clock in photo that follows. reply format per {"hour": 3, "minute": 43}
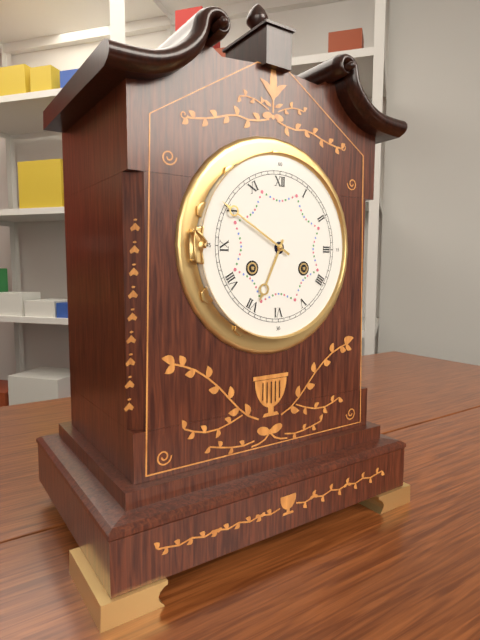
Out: {"hour": 6, "minute": 50}
